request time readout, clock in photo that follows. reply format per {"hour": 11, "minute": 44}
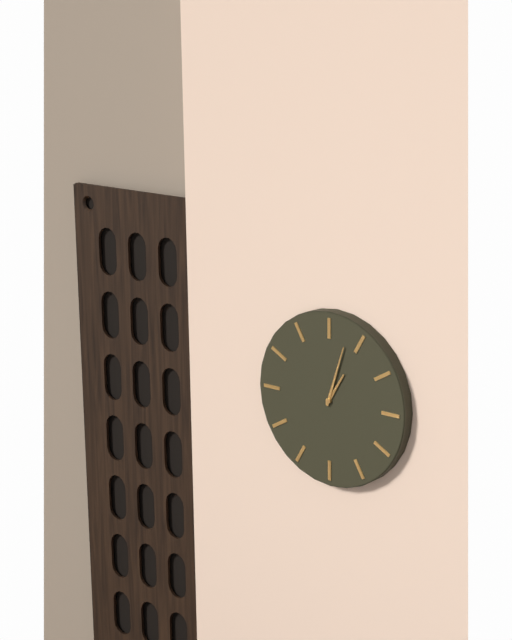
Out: {"hour": 1, "minute": 3}
